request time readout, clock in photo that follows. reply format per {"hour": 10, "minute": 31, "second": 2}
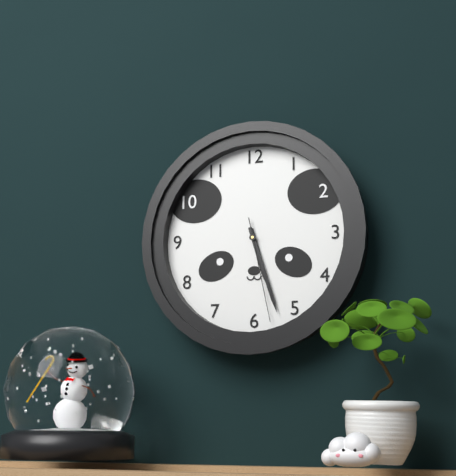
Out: {"hour": 5, "minute": 27, "second": 28}
